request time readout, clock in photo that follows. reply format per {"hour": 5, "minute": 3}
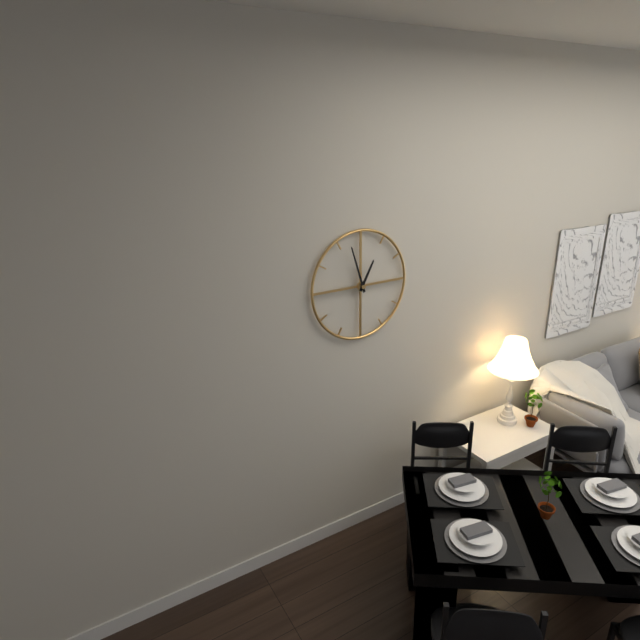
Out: {"hour": 12, "minute": 57}
